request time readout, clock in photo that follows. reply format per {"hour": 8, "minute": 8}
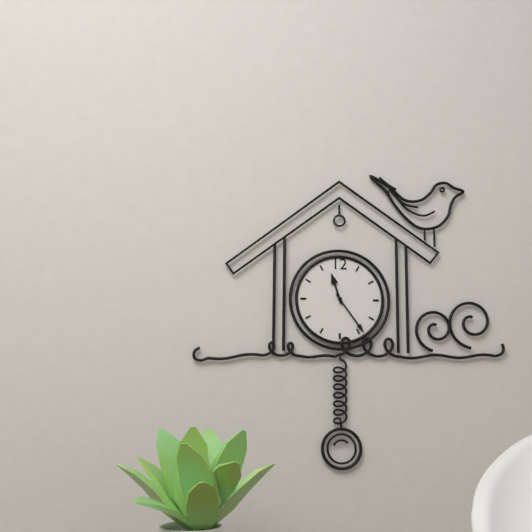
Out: {"hour": 11, "minute": 24}
